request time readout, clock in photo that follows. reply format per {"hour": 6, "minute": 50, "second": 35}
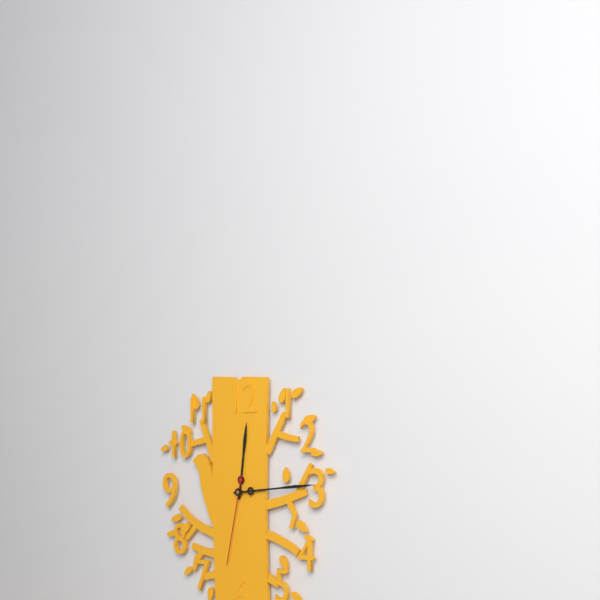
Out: {"hour": 12, "minute": 14, "second": 32}
